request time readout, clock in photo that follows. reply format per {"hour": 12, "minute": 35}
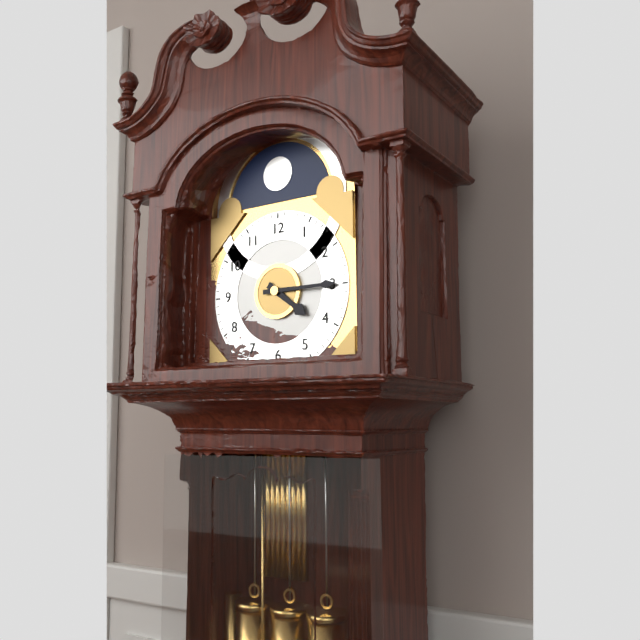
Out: {"hour": 4, "minute": 15}
